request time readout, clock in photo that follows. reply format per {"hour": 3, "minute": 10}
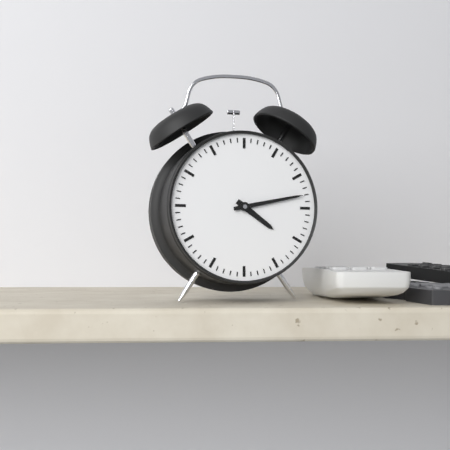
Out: {"hour": 4, "minute": 13}
